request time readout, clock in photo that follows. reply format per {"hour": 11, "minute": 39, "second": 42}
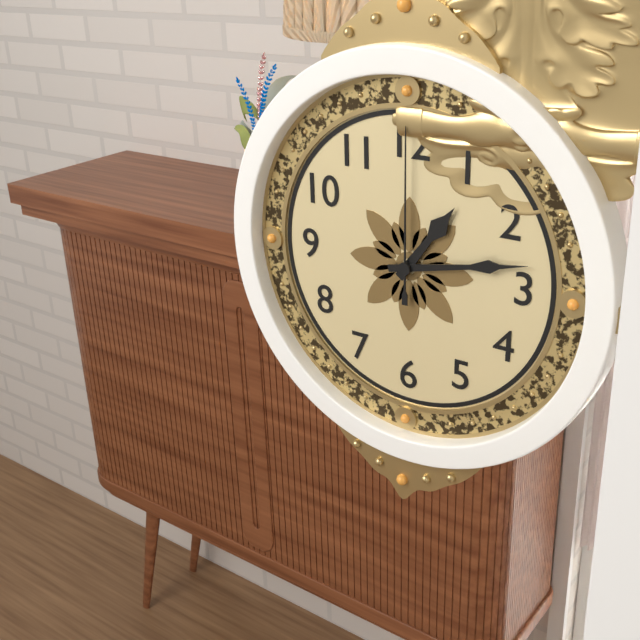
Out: {"hour": 1, "minute": 13, "second": 0}
